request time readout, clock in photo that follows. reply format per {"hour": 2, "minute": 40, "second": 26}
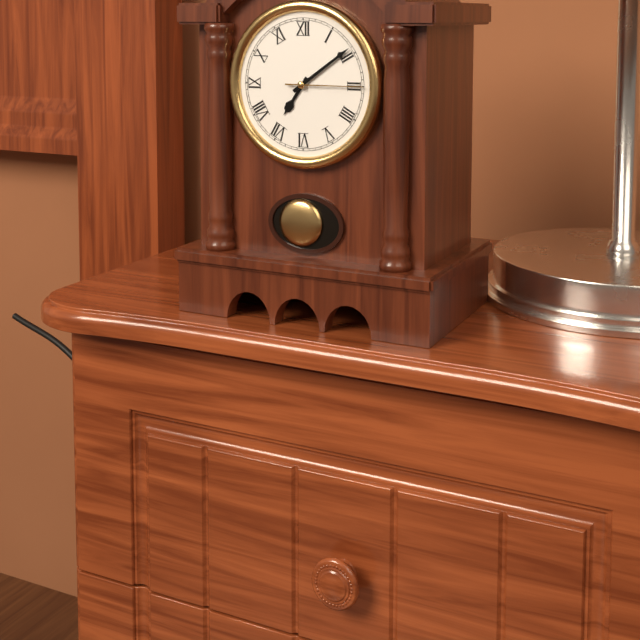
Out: {"hour": 7, "minute": 9, "second": 15}
